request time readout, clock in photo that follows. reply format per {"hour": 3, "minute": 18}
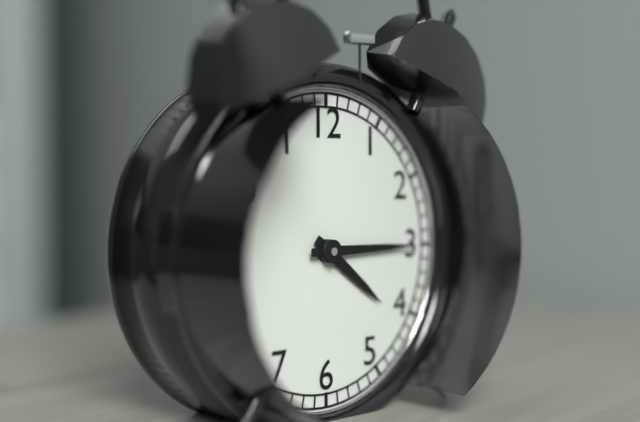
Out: {"hour": 4, "minute": 15}
